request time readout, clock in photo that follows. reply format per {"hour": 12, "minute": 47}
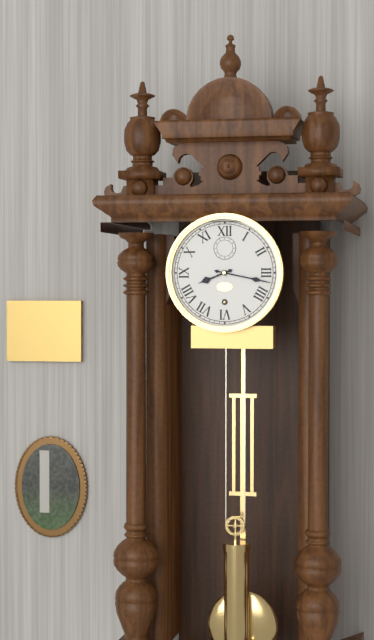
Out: {"hour": 8, "minute": 17}
